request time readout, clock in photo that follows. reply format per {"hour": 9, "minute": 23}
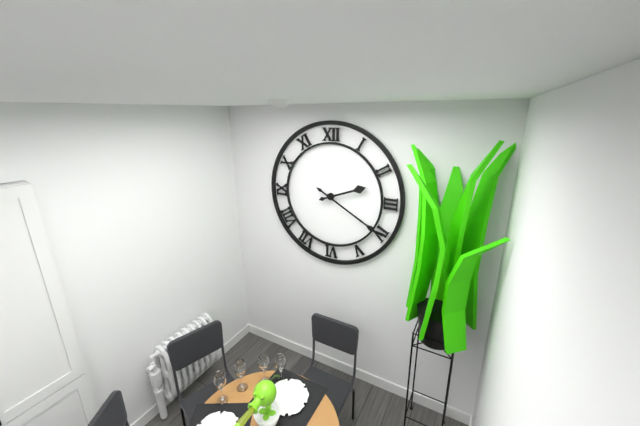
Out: {"hour": 2, "minute": 20}
